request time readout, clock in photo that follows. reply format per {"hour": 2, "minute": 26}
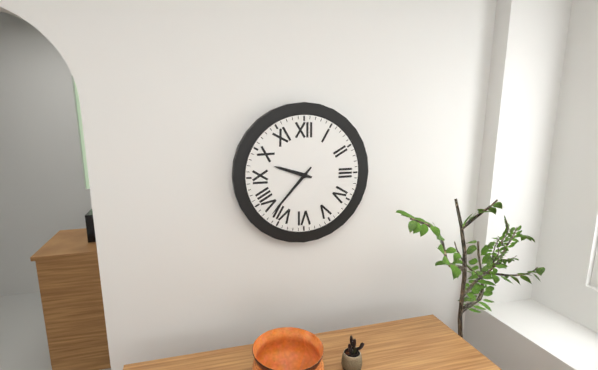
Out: {"hour": 9, "minute": 37}
